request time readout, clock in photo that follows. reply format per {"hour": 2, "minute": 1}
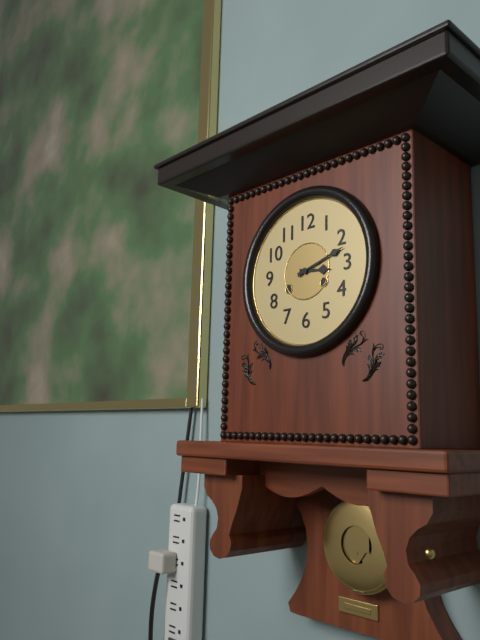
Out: {"hour": 3, "minute": 12}
